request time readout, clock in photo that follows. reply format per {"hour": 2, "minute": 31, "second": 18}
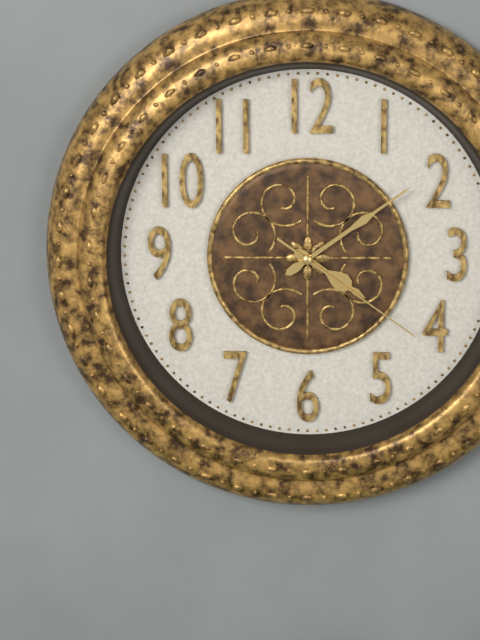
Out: {"hour": 4, "minute": 9, "second": 21}
